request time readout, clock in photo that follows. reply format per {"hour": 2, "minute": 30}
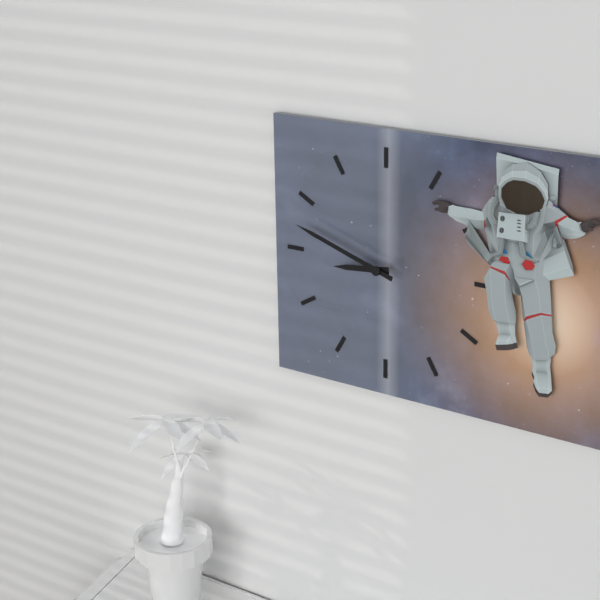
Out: {"hour": 8, "minute": 48}
